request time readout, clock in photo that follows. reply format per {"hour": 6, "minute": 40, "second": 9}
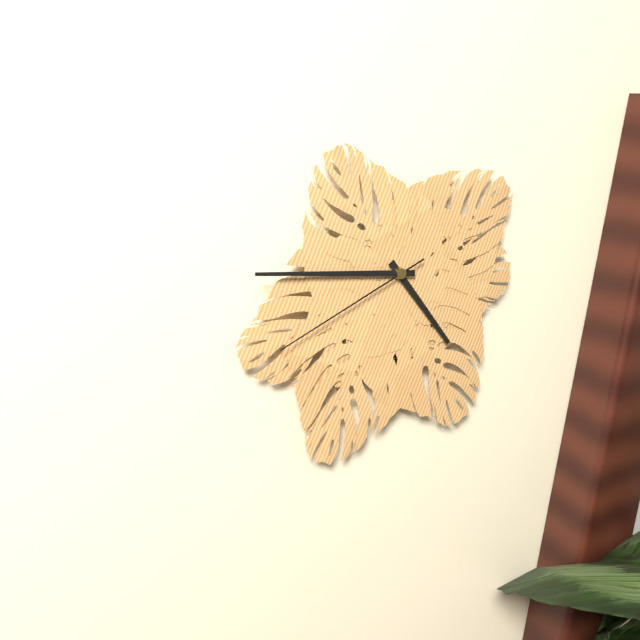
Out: {"hour": 4, "minute": 46, "second": 41}
